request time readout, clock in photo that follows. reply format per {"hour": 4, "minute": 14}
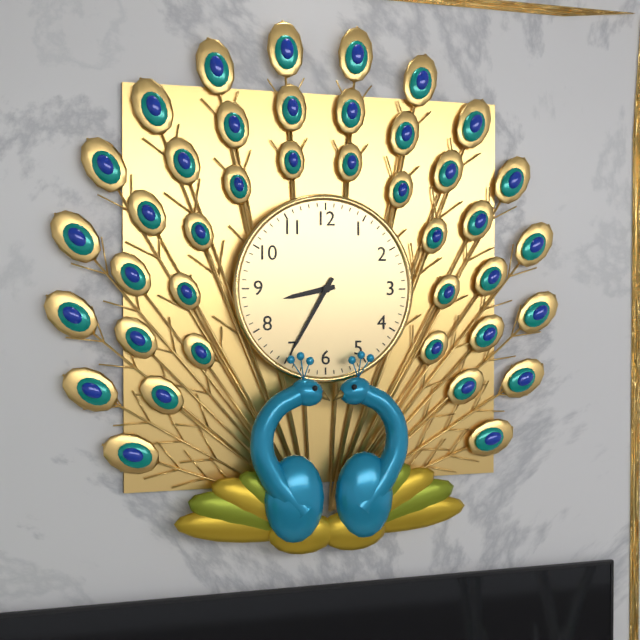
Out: {"hour": 8, "minute": 35}
